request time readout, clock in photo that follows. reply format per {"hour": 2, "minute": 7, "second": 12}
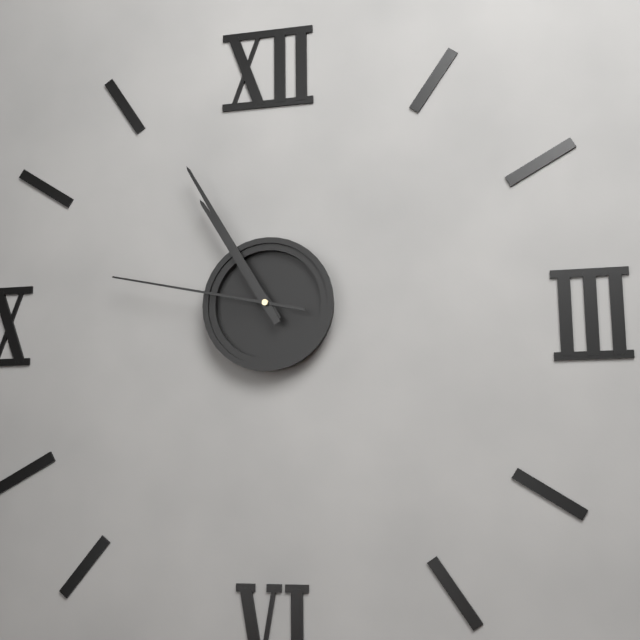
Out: {"hour": 10, "minute": 55, "second": 47}
